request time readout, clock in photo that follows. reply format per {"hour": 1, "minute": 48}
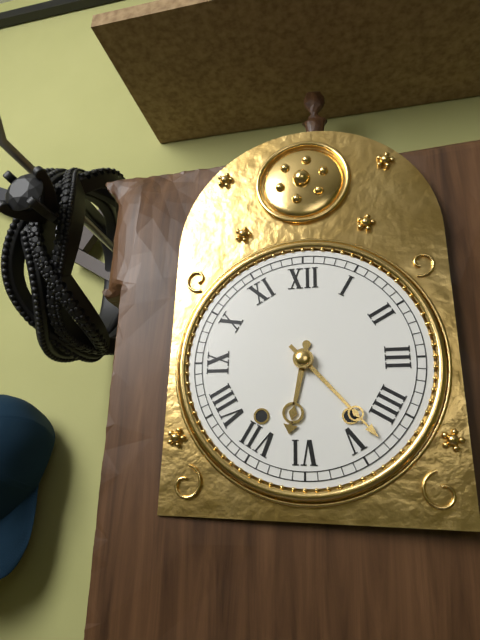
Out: {"hour": 6, "minute": 23}
